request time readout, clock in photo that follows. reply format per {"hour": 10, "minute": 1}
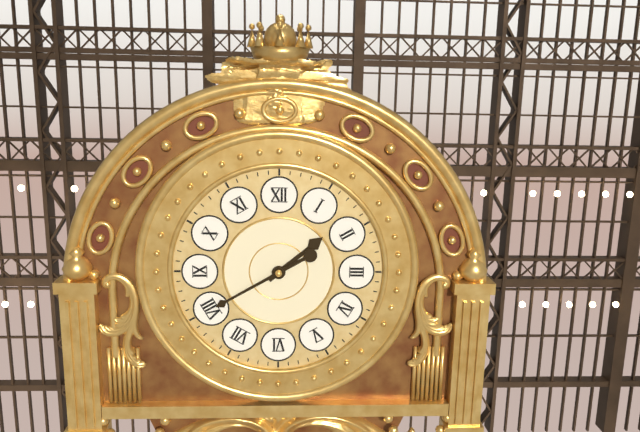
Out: {"hour": 1, "minute": 40}
